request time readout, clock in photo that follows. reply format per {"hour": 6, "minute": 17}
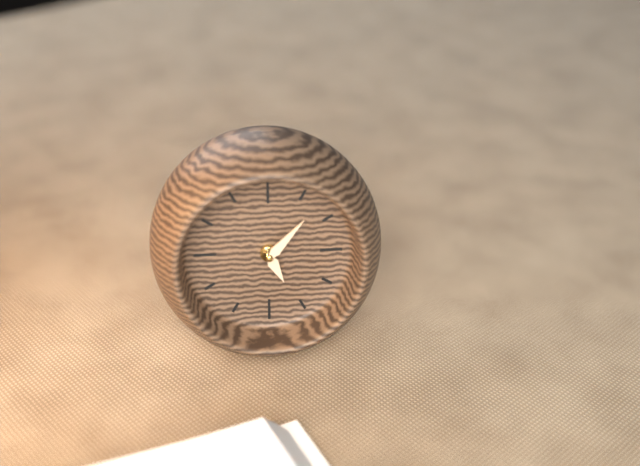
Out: {"hour": 5, "minute": 7}
